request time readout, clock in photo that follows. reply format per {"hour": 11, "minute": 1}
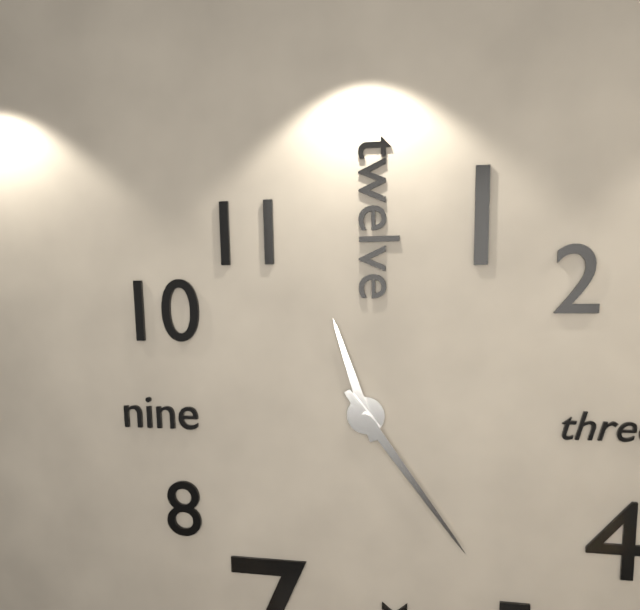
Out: {"hour": 11, "minute": 24}
